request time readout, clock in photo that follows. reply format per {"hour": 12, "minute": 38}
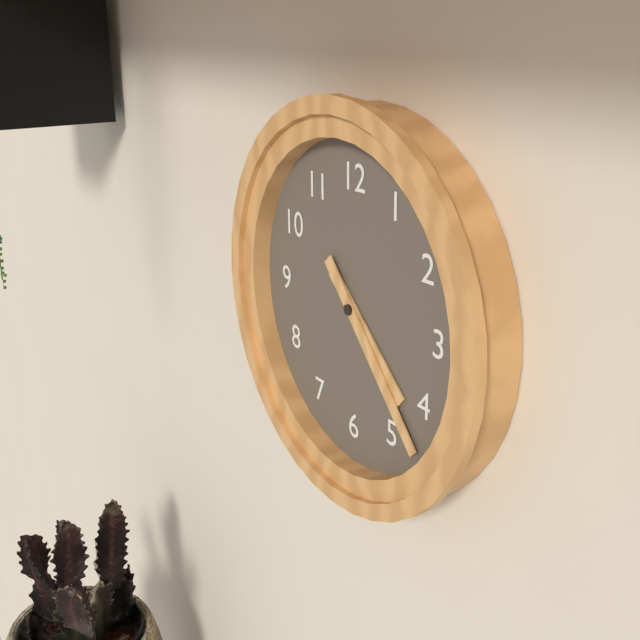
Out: {"hour": 4, "minute": 23}
